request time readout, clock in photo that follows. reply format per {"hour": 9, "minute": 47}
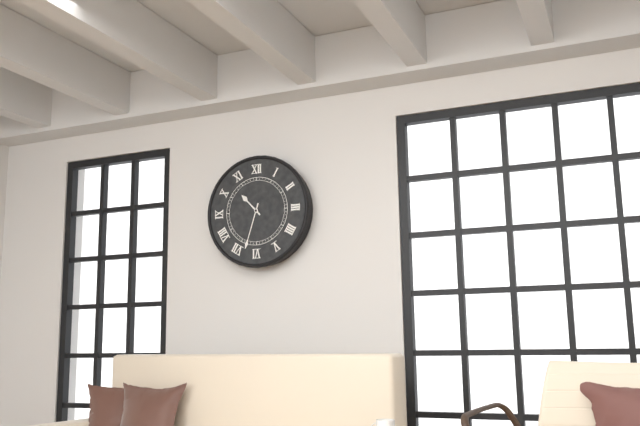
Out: {"hour": 10, "minute": 33}
